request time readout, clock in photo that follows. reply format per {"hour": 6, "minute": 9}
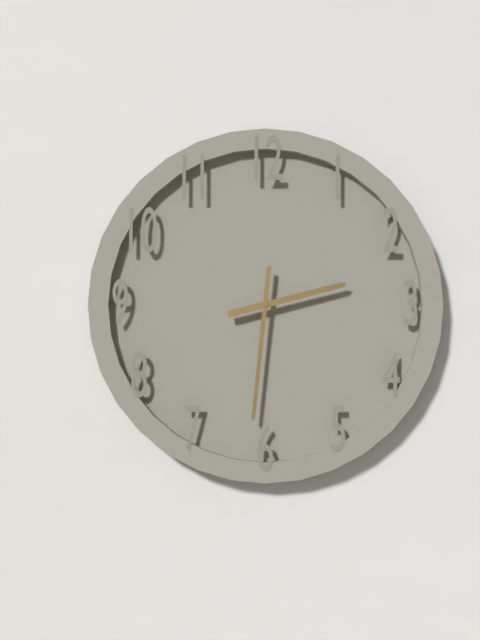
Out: {"hour": 2, "minute": 31}
